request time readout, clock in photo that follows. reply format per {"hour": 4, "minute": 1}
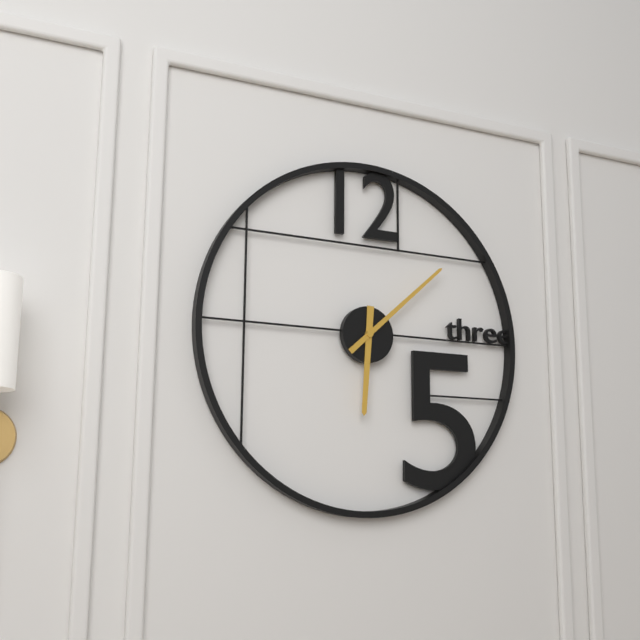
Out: {"hour": 6, "minute": 8}
